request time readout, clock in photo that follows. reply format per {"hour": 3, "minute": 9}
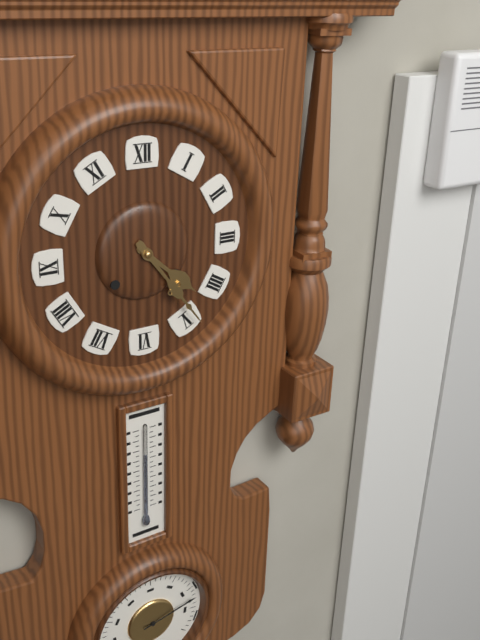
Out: {"hour": 4, "minute": 24}
